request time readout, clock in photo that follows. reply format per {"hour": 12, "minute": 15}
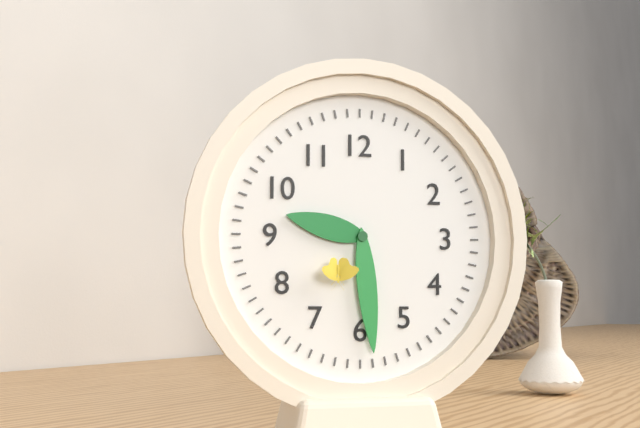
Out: {"hour": 9, "minute": 29}
